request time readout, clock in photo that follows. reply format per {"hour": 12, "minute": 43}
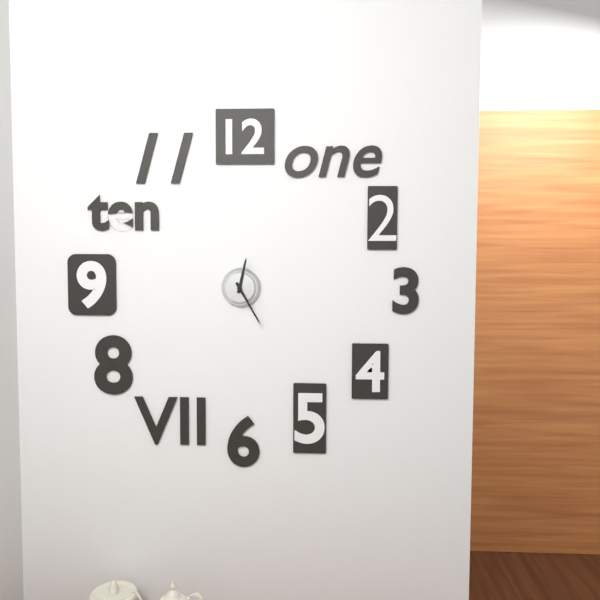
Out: {"hour": 12, "minute": 25}
